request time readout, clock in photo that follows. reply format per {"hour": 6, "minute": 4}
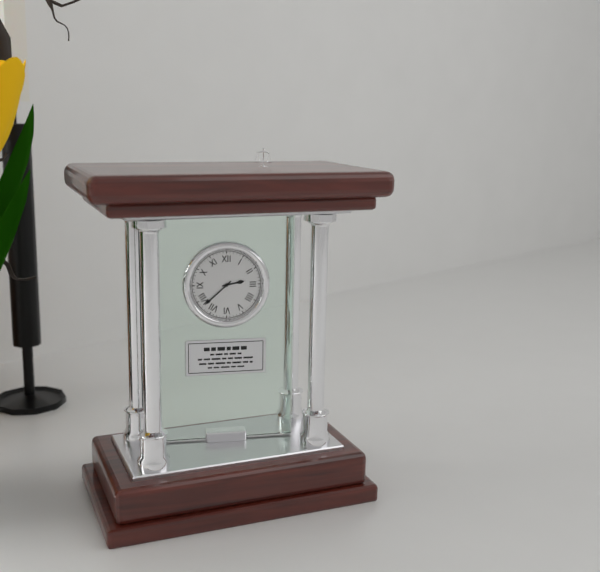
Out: {"hour": 2, "minute": 38}
